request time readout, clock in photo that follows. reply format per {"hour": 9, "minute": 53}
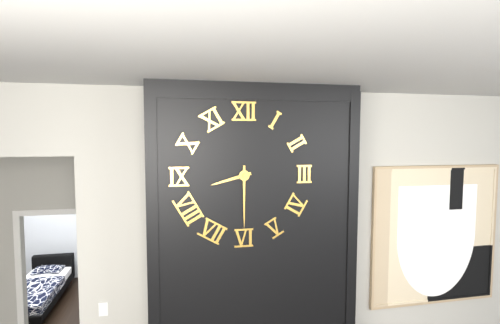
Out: {"hour": 8, "minute": 30}
